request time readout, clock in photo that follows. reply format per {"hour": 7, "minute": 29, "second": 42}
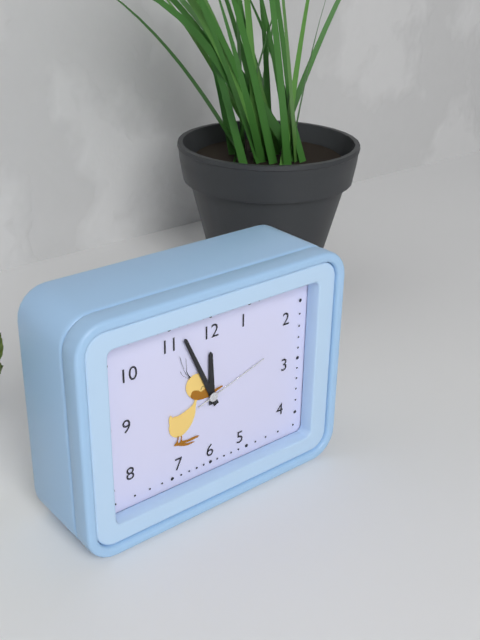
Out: {"hour": 11, "minute": 56, "second": 12}
